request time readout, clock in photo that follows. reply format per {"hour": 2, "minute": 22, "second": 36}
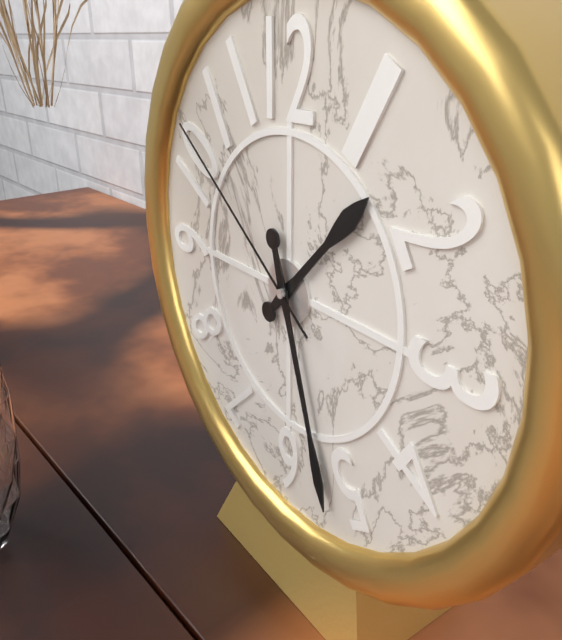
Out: {"hour": 1, "minute": 27, "second": 51}
